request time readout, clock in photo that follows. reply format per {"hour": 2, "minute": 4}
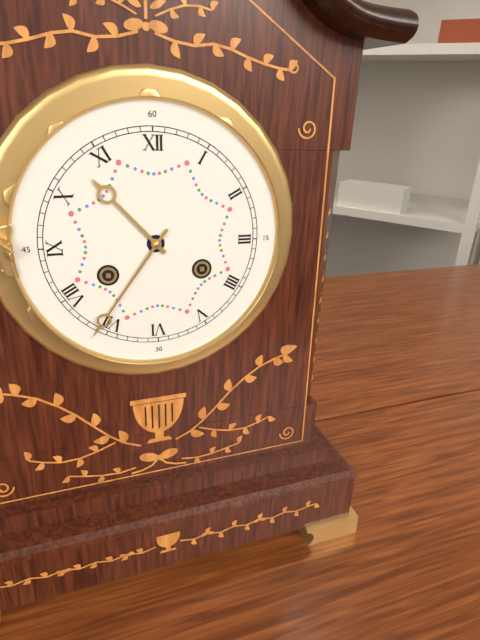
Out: {"hour": 10, "minute": 36}
